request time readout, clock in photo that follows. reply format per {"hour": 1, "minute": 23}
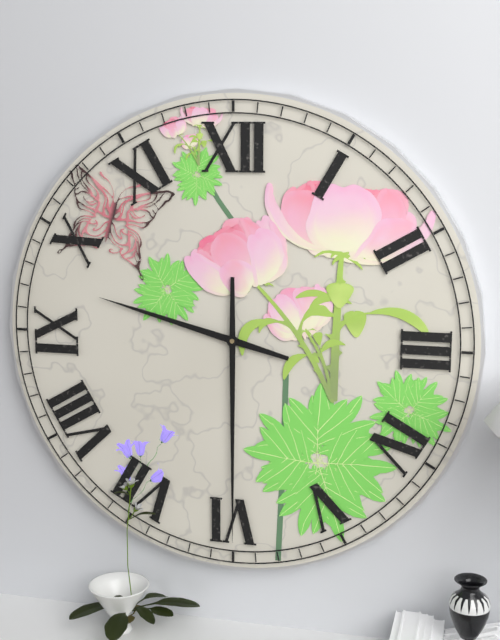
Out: {"hour": 9, "minute": 30}
